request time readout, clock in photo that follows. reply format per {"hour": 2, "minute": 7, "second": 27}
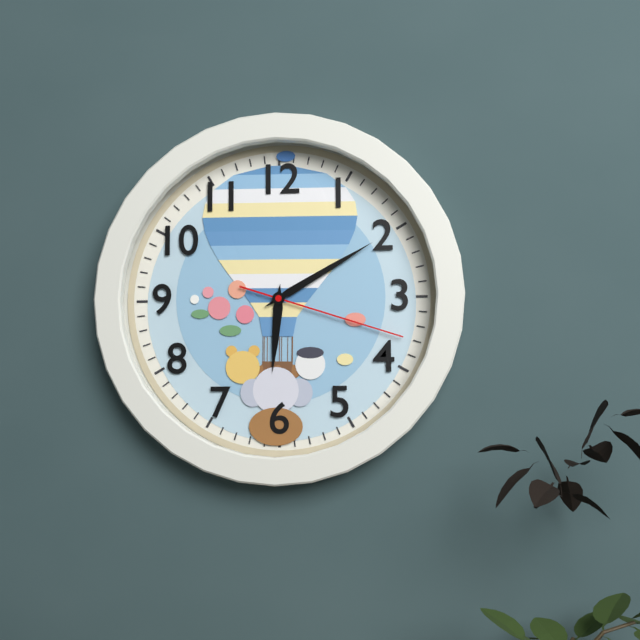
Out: {"hour": 6, "minute": 10, "second": 18}
